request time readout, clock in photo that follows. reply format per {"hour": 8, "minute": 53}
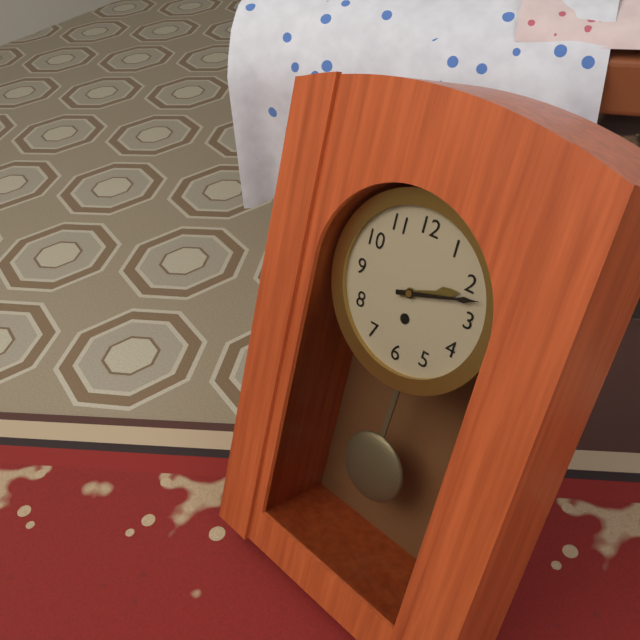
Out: {"hour": 2, "minute": 12}
